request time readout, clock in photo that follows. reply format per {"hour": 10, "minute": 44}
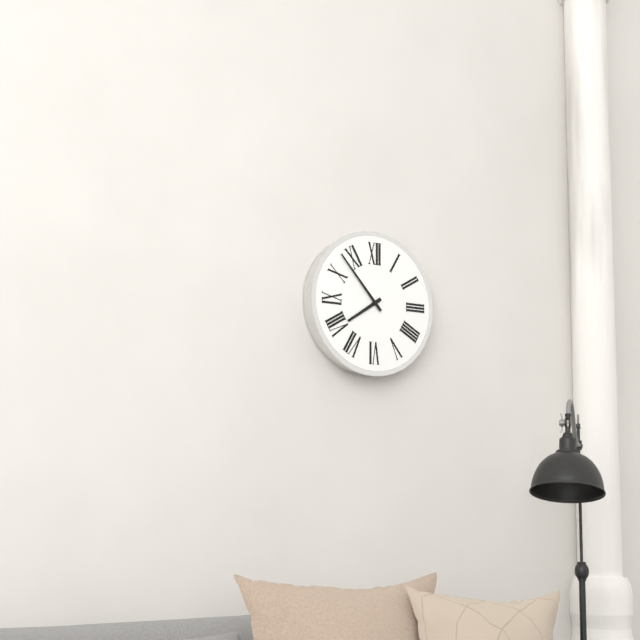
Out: {"hour": 7, "minute": 53}
